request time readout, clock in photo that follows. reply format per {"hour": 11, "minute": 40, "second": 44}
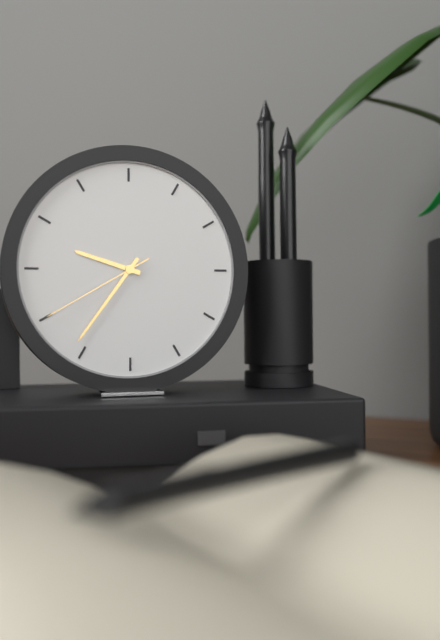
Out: {"hour": 9, "minute": 36, "second": 40}
